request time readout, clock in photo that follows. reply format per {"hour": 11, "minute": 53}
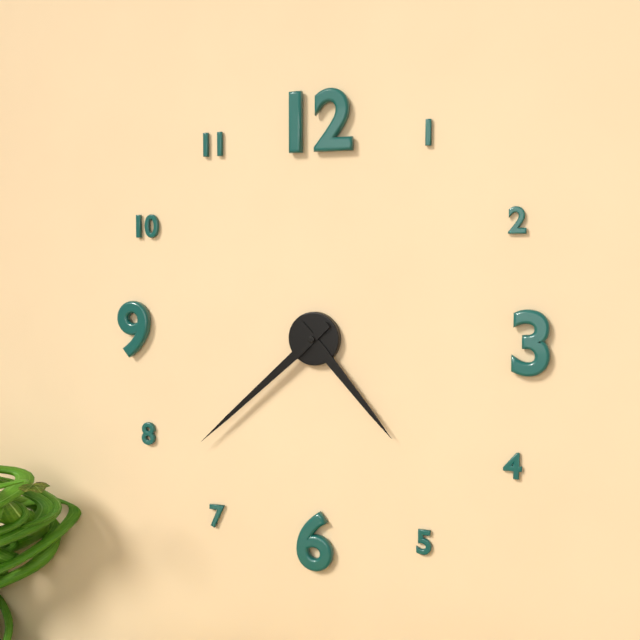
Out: {"hour": 4, "minute": 38}
